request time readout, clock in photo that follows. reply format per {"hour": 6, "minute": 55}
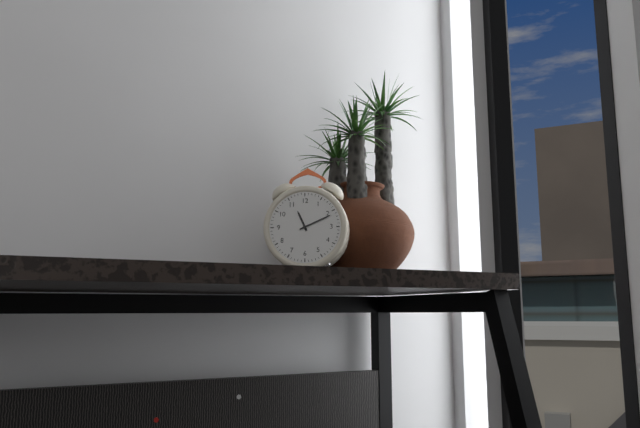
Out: {"hour": 11, "minute": 11}
